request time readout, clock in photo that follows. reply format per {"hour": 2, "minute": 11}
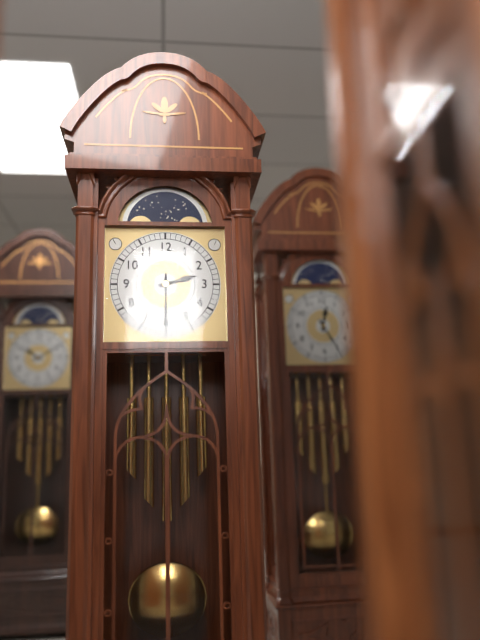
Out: {"hour": 2, "minute": 30}
